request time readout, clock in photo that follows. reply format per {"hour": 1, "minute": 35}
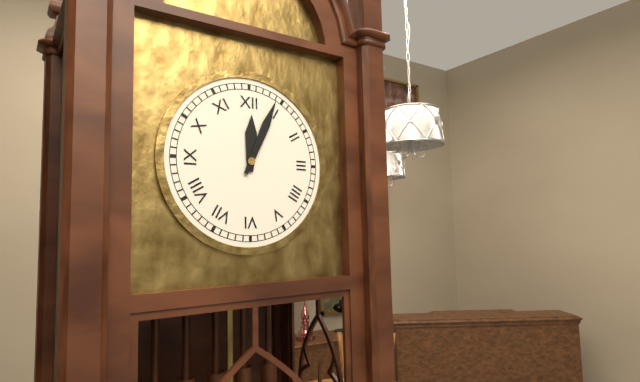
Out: {"hour": 12, "minute": 4}
